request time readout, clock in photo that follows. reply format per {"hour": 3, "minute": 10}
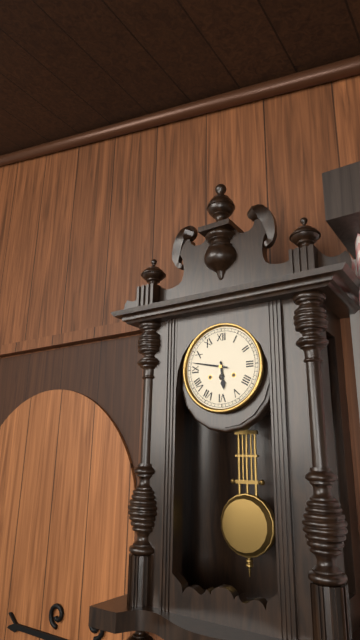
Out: {"hour": 5, "minute": 47}
